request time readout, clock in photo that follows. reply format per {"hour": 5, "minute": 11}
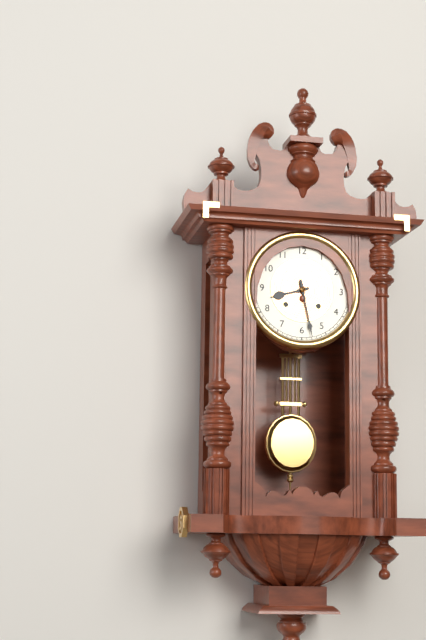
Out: {"hour": 8, "minute": 28}
